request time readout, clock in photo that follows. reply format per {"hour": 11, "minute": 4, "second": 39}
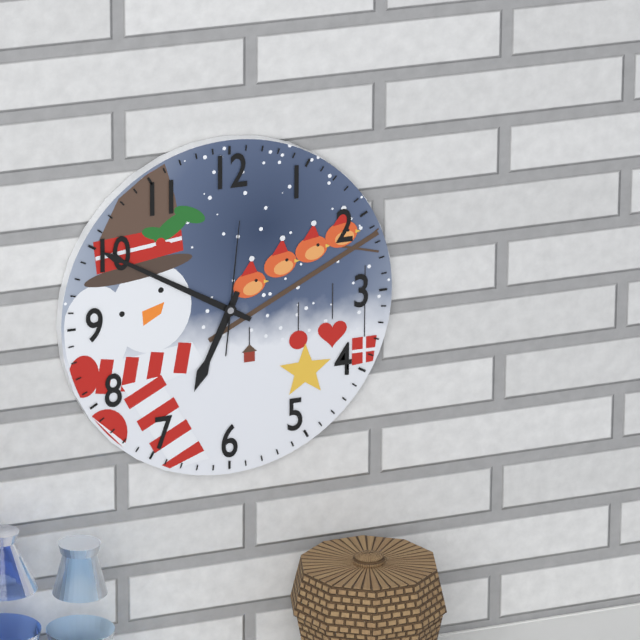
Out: {"hour": 6, "minute": 50, "second": 1}
